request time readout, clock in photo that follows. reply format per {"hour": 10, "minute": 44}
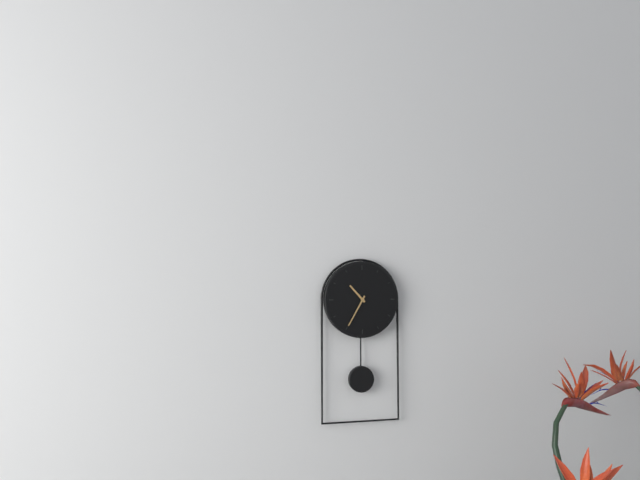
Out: {"hour": 10, "minute": 35}
